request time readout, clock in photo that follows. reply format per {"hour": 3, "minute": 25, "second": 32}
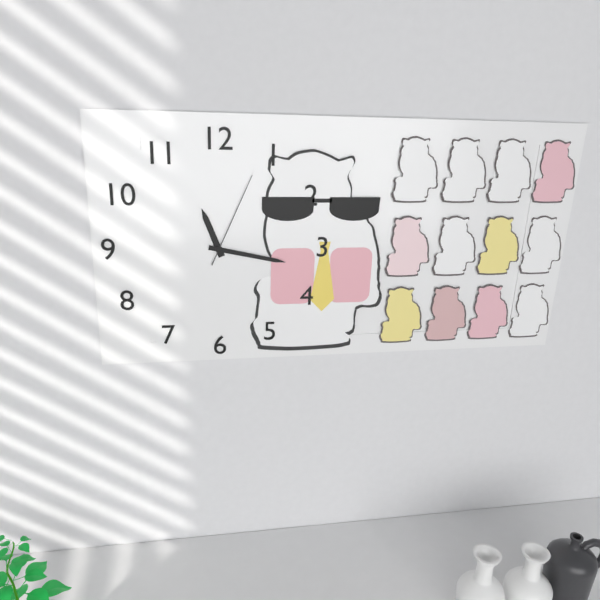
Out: {"hour": 11, "minute": 17, "second": 4}
